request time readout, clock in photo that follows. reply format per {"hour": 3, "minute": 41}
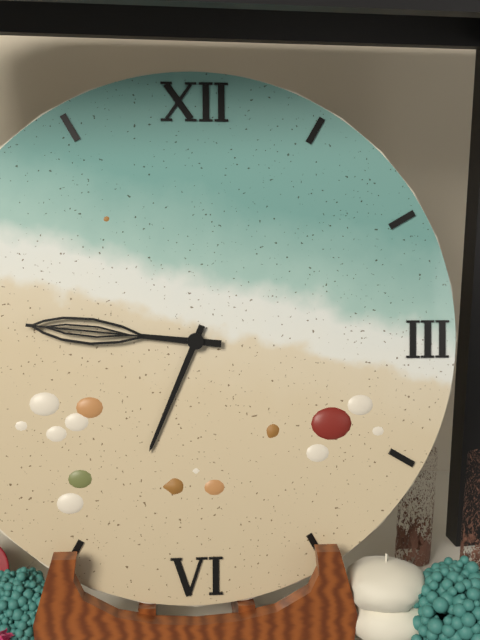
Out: {"hour": 6, "minute": 46}
